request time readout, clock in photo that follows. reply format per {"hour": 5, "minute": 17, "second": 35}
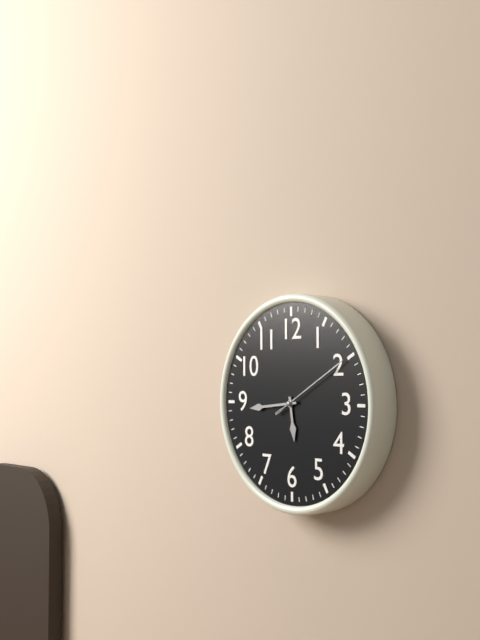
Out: {"hour": 5, "minute": 44, "second": 10}
